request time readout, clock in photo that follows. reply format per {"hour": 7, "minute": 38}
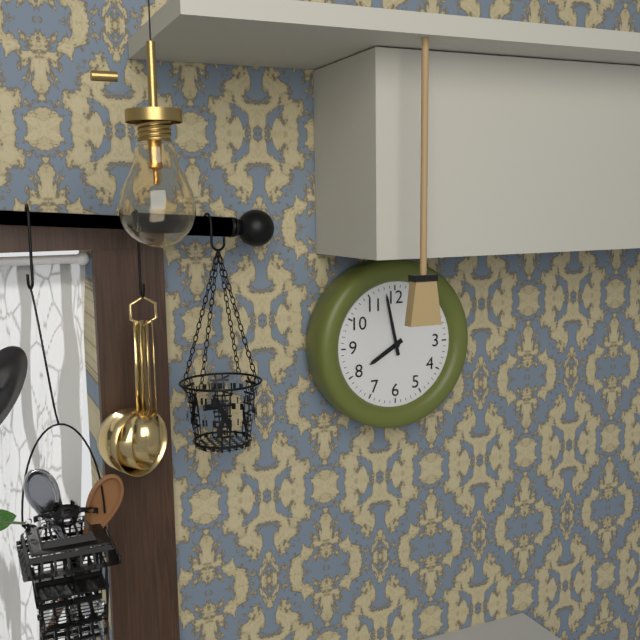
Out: {"hour": 7, "minute": 58}
